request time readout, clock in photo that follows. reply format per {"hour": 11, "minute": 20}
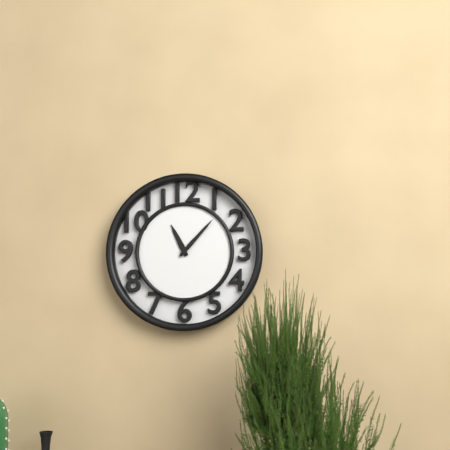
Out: {"hour": 11, "minute": 7}
